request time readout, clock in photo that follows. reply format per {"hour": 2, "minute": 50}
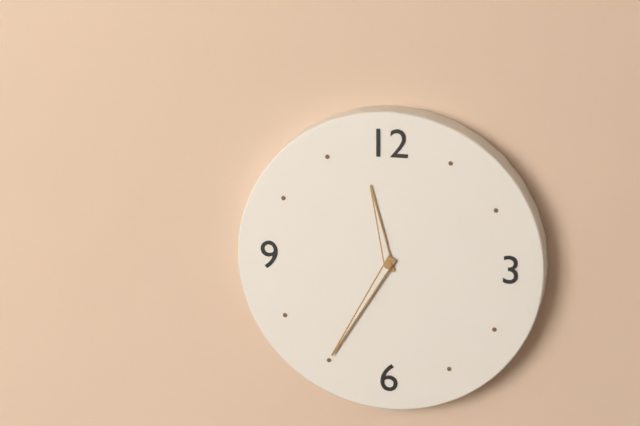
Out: {"hour": 11, "minute": 35}
